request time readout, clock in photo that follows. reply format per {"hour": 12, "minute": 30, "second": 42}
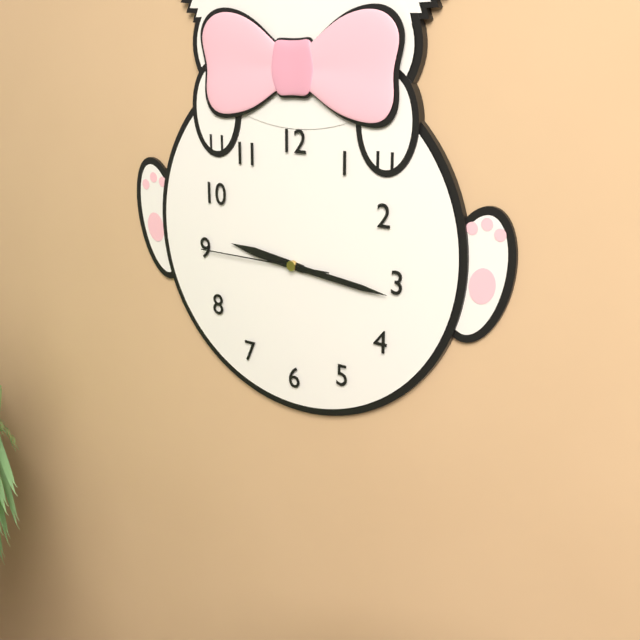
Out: {"hour": 9, "minute": 16, "second": 45}
